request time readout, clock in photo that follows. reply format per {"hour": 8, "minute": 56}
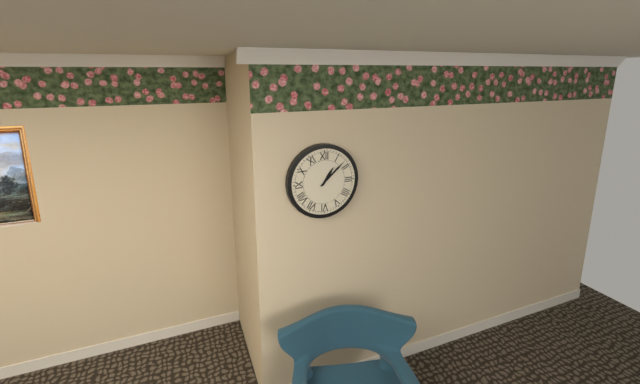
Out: {"hour": 1, "minute": 8}
